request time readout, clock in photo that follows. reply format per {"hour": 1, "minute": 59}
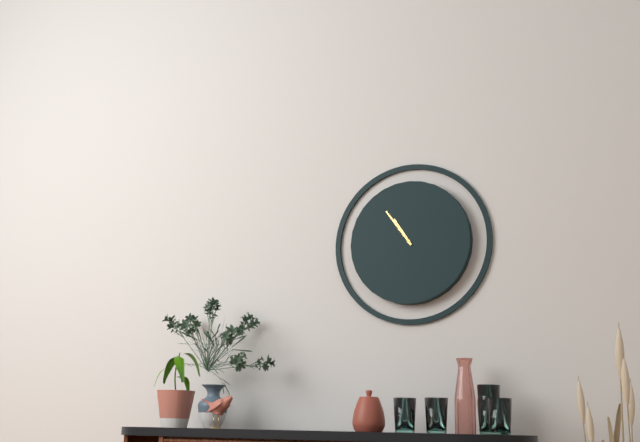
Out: {"hour": 10, "minute": 54}
